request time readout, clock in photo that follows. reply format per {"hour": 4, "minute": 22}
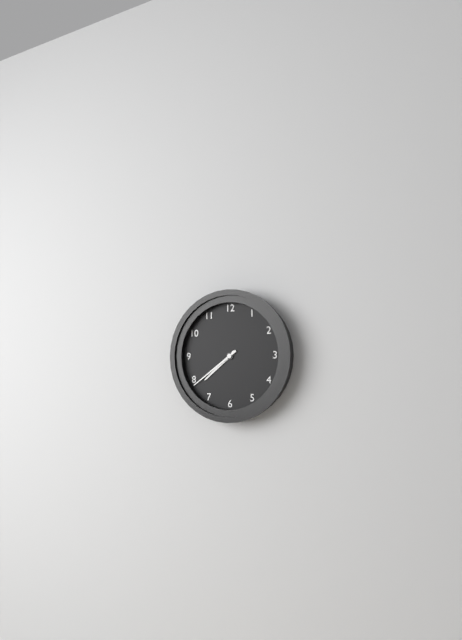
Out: {"hour": 7, "minute": 39}
